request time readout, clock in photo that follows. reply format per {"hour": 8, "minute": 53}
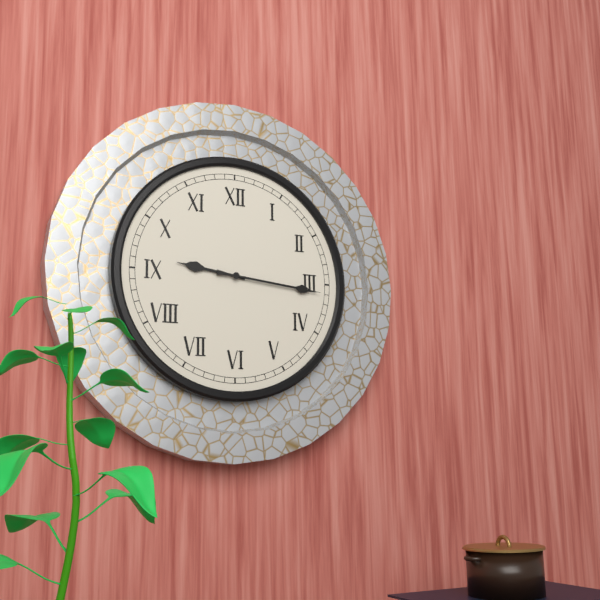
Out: {"hour": 9, "minute": 16}
